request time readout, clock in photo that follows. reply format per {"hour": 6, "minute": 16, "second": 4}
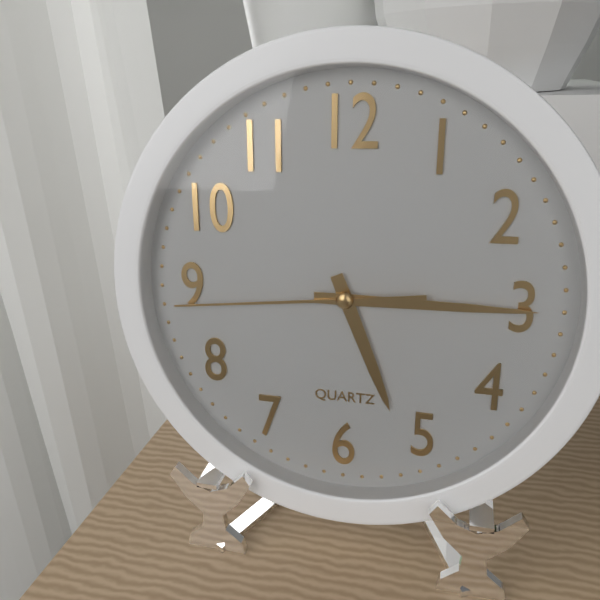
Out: {"hour": 5, "minute": 15, "second": 44}
